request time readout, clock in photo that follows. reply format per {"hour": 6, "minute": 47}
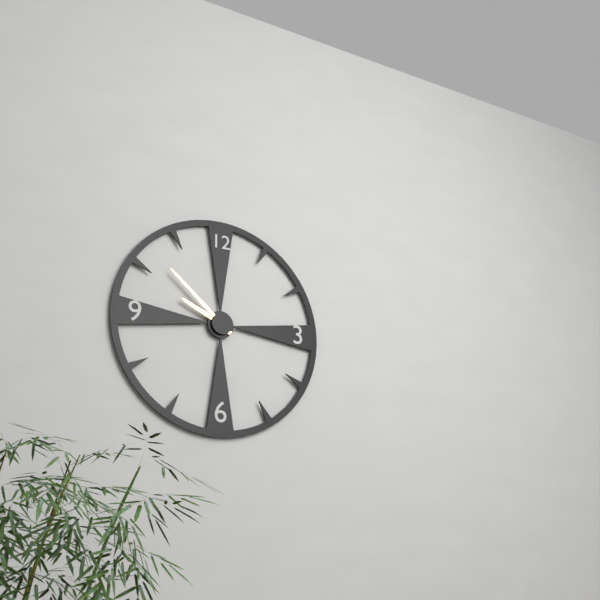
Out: {"hour": 9, "minute": 52}
